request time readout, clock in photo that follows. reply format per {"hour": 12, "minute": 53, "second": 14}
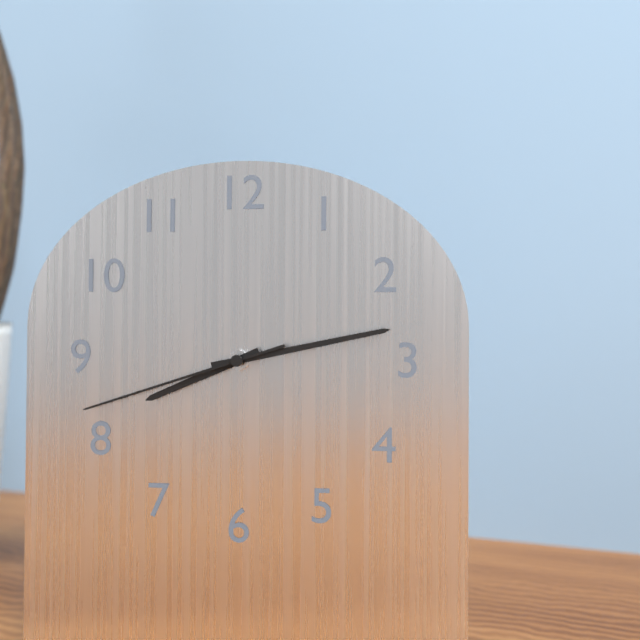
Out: {"hour": 8, "minute": 13, "second": 42}
